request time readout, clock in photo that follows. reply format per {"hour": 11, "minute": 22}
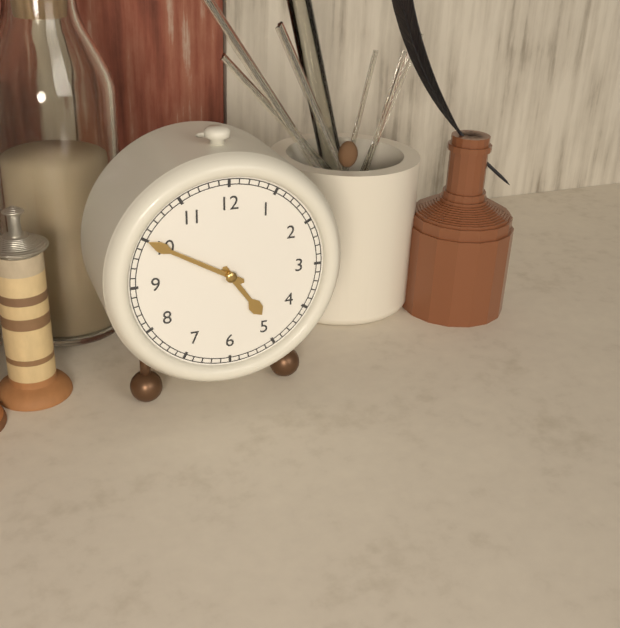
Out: {"hour": 4, "minute": 50}
